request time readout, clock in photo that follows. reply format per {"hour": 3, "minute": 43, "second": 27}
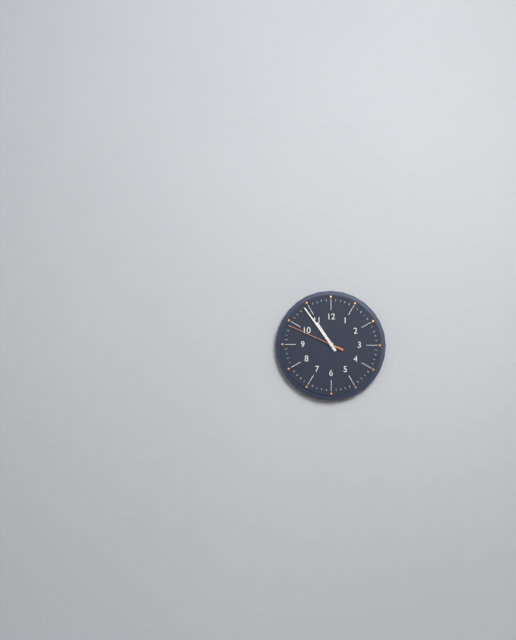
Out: {"hour": 10, "minute": 54, "second": 49}
